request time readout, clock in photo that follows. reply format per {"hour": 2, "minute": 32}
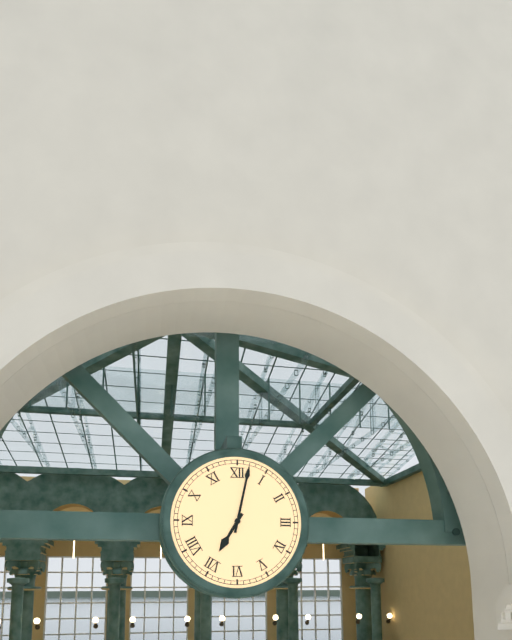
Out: {"hour": 7, "minute": 2}
